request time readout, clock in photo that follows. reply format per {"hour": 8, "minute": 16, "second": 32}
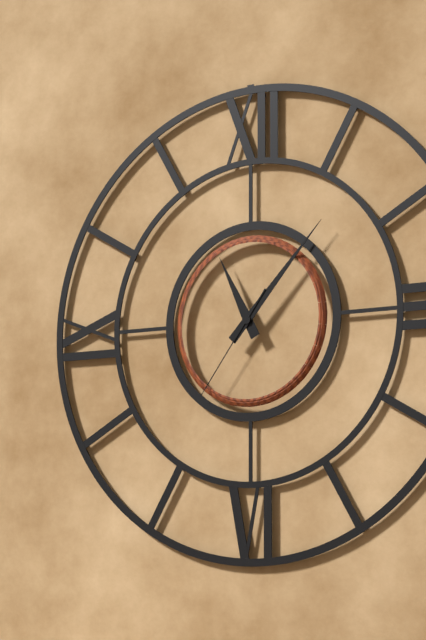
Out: {"hour": 11, "minute": 7, "second": 36}
